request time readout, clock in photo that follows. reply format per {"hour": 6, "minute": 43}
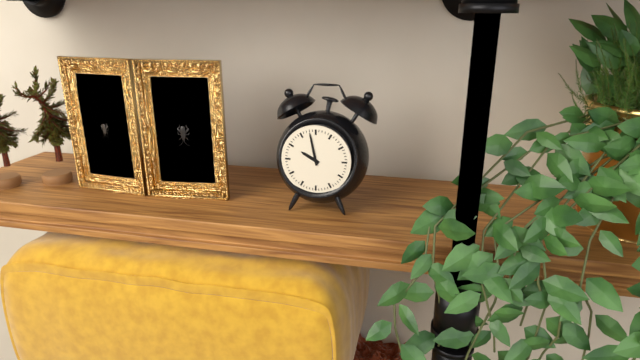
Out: {"hour": 9, "minute": 58}
